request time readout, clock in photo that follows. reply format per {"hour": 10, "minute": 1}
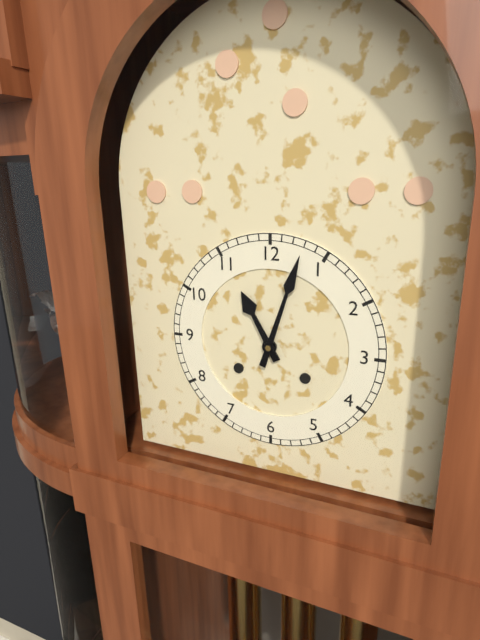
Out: {"hour": 11, "minute": 3}
